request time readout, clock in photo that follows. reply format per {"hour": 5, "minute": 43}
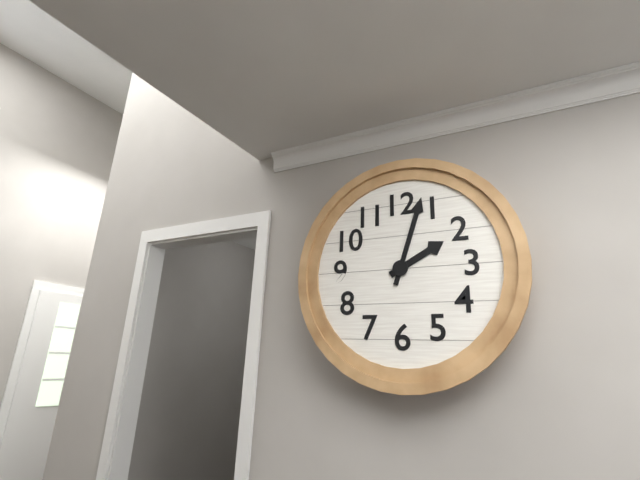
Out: {"hour": 2, "minute": 3}
